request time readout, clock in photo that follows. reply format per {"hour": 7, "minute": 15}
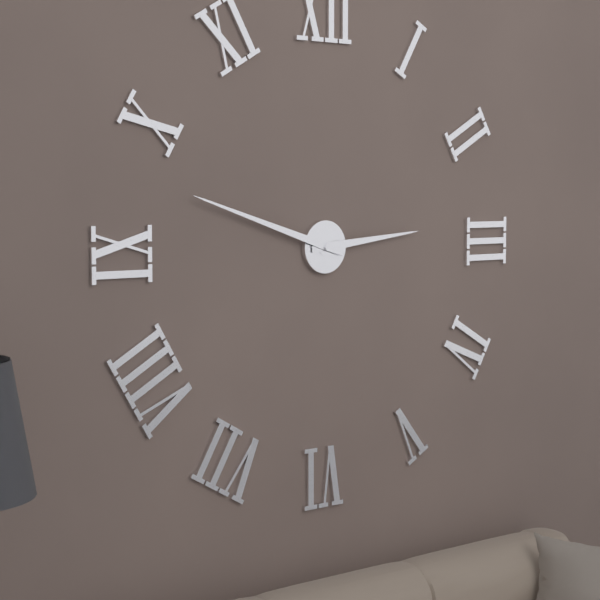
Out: {"hour": 2, "minute": 48}
